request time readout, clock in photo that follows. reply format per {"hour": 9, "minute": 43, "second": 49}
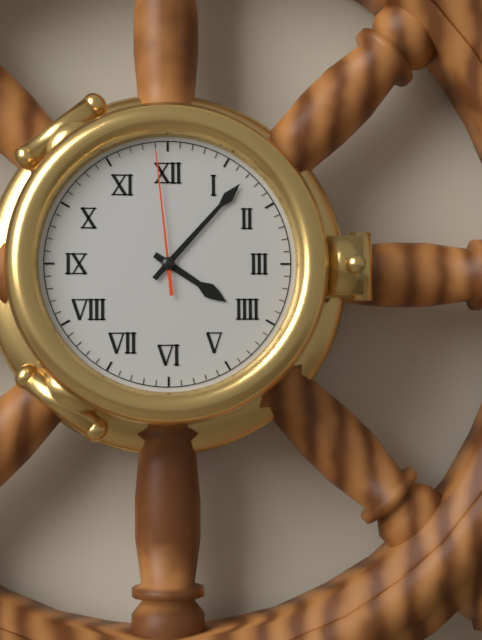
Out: {"hour": 4, "minute": 7, "second": 59}
